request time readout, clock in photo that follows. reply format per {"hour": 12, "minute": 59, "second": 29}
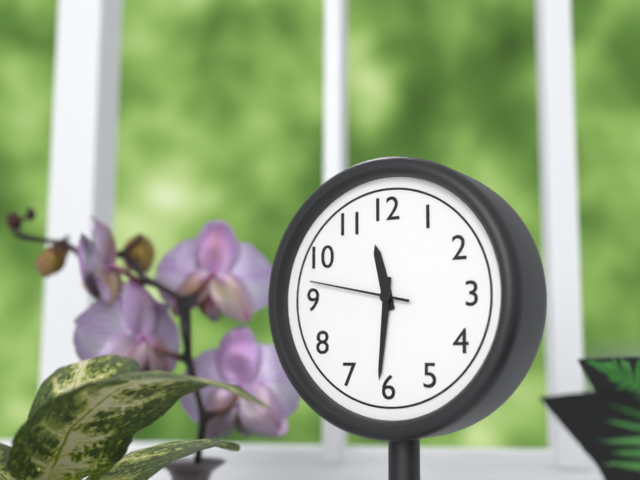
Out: {"hour": 11, "minute": 31, "second": 47}
